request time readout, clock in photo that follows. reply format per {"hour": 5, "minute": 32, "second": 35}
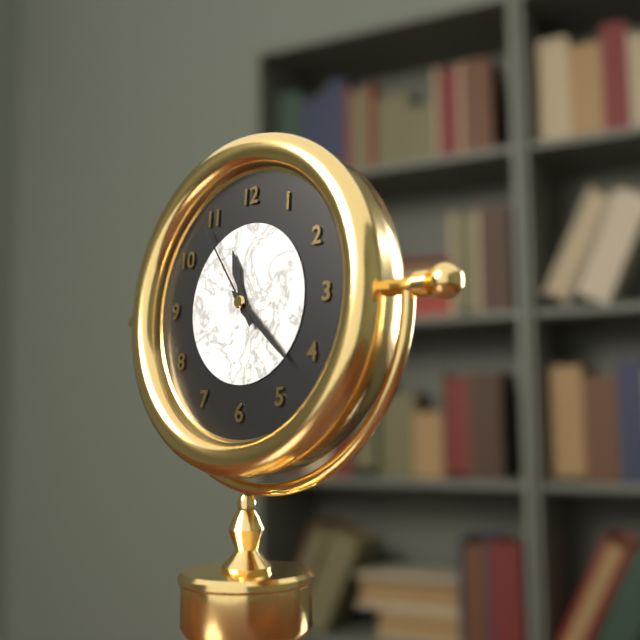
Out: {"hour": 11, "minute": 22, "second": 54}
